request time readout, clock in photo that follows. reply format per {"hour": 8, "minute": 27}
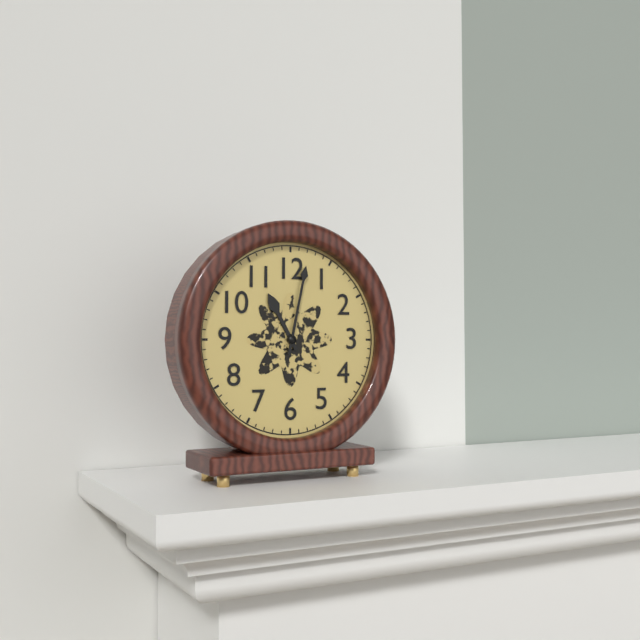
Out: {"hour": 11, "minute": 2}
